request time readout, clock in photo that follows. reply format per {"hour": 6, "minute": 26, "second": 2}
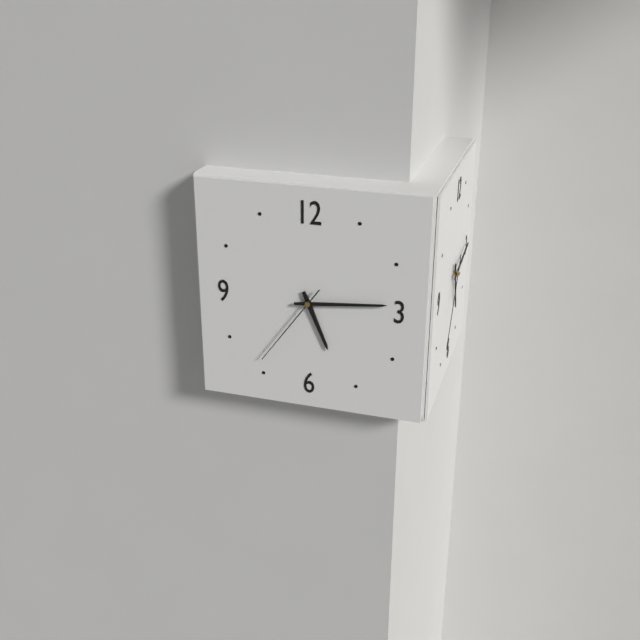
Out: {"hour": 5, "minute": 14, "second": 36}
